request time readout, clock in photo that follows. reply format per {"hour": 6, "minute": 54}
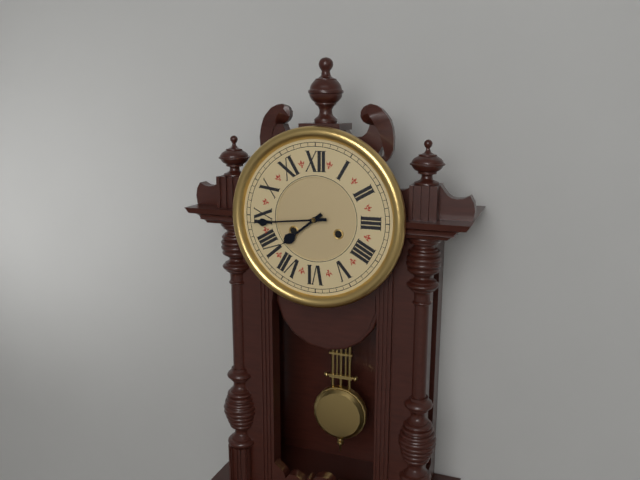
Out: {"hour": 7, "minute": 44}
